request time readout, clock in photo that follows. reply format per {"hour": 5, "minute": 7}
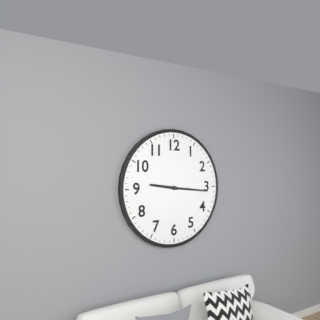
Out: {"hour": 9, "minute": 16}
